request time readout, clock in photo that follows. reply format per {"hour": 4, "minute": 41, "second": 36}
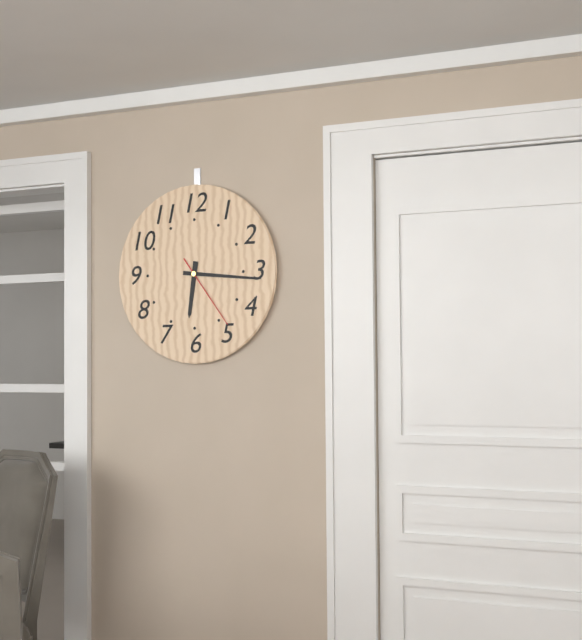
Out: {"hour": 6, "minute": 16, "second": 24}
